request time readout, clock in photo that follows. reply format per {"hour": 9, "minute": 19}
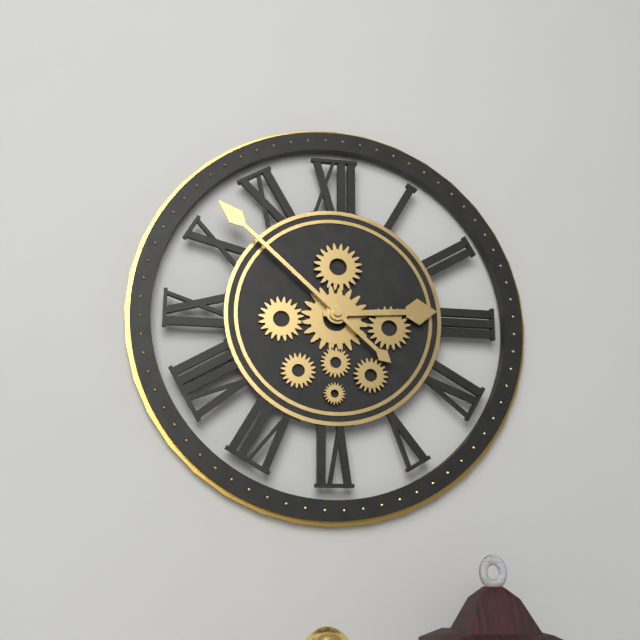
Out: {"hour": 2, "minute": 52}
